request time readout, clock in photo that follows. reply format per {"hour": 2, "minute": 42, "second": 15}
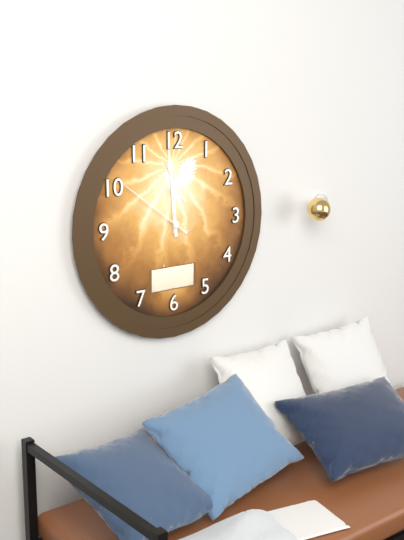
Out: {"hour": 11, "minute": 59, "second": 51}
